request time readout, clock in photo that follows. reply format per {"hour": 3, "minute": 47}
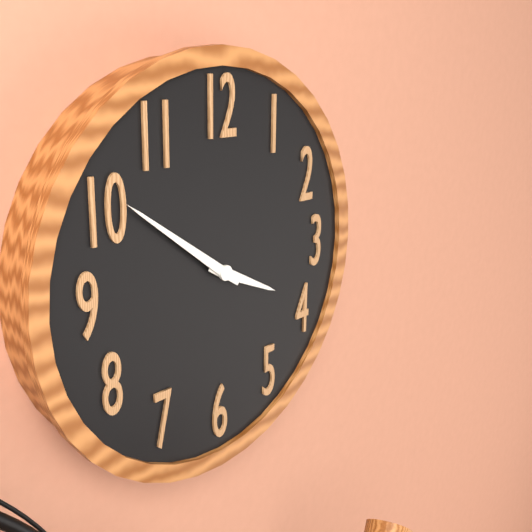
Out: {"hour": 3, "minute": 51}
